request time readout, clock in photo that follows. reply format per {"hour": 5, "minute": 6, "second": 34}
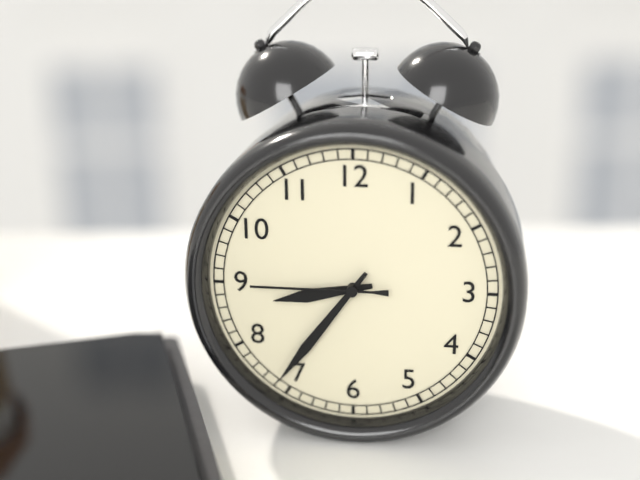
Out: {"hour": 8, "minute": 36, "second": 45}
